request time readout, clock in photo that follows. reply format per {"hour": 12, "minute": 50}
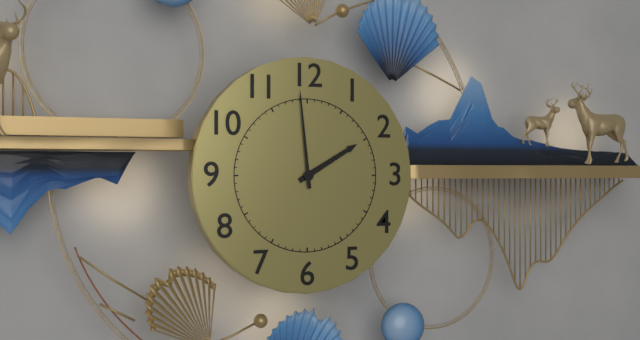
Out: {"hour": 1, "minute": 59}
